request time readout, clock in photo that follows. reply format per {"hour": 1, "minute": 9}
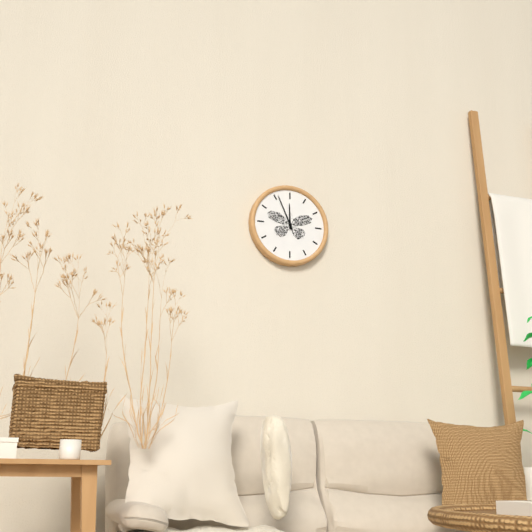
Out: {"hour": 11, "minute": 56}
